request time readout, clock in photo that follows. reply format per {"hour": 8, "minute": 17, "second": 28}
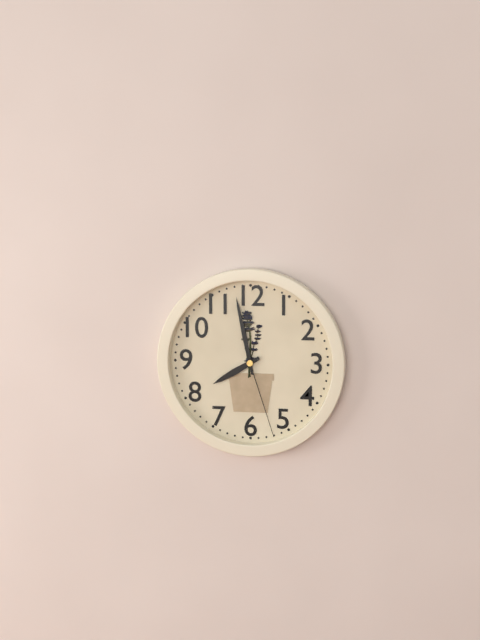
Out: {"hour": 7, "minute": 58, "second": 27}
